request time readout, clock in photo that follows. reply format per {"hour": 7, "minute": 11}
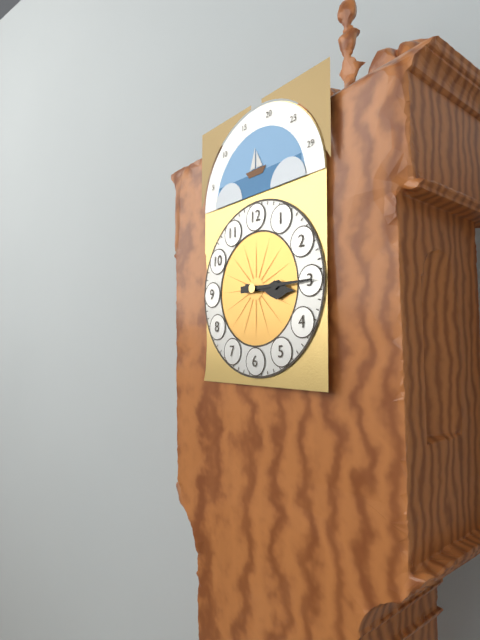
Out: {"hour": 3, "minute": 15}
